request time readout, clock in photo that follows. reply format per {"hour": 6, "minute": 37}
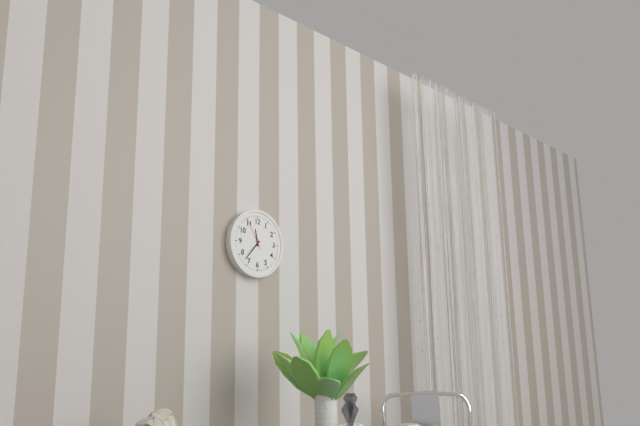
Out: {"hour": 11, "minute": 37}
